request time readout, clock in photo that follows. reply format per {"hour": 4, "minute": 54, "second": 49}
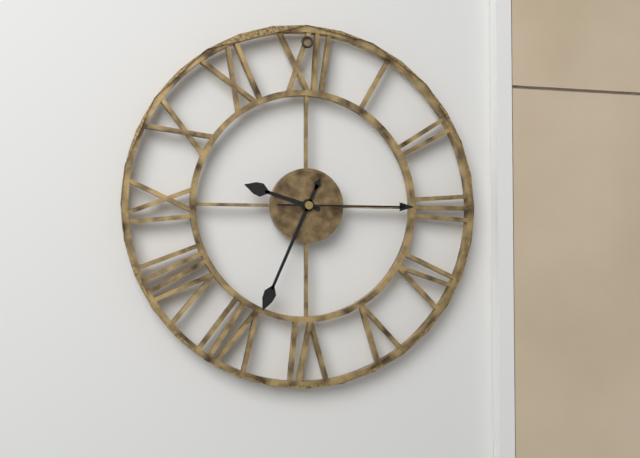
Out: {"hour": 9, "minute": 34, "second": 15}
